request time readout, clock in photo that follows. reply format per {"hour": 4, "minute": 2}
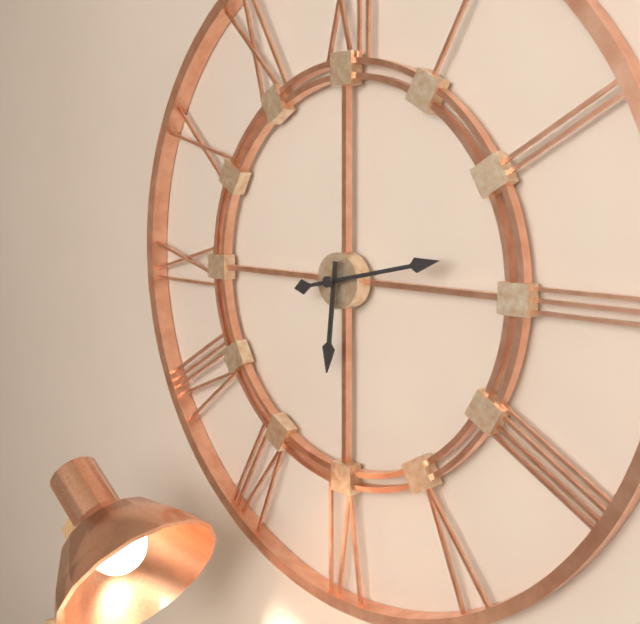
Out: {"hour": 6, "minute": 13}
